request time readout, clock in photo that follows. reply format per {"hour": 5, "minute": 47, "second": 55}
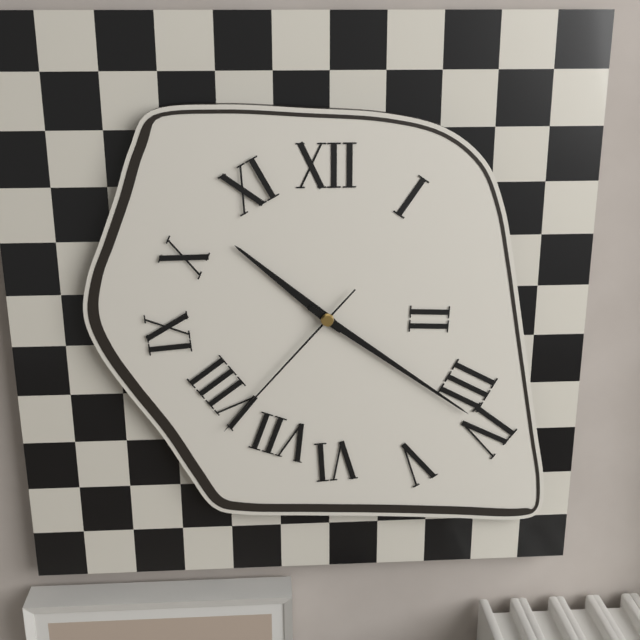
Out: {"hour": 10, "minute": 21, "second": 37}
